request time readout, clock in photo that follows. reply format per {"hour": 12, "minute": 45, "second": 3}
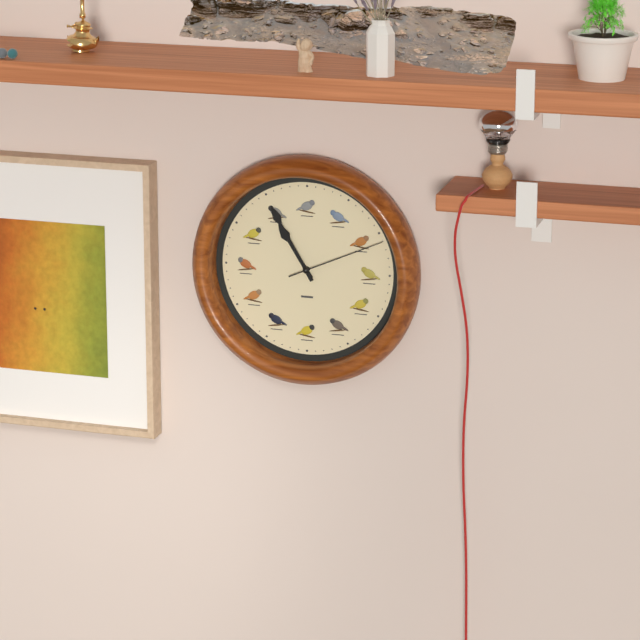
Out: {"hour": 10, "minute": 55, "second": 11}
